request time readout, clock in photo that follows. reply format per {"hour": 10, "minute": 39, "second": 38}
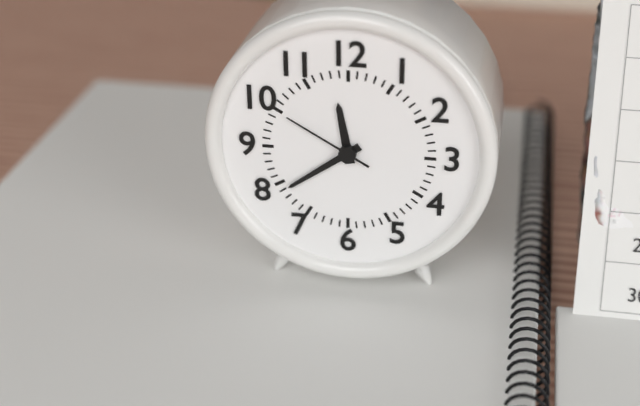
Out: {"hour": 11, "minute": 39, "second": 50}
